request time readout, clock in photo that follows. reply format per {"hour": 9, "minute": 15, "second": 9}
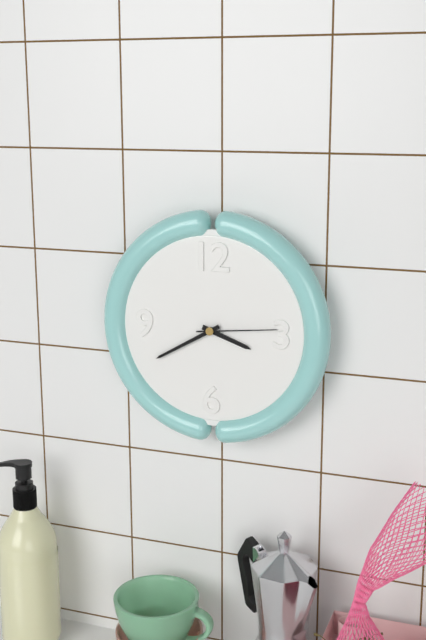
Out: {"hour": 3, "minute": 40, "second": 14}
